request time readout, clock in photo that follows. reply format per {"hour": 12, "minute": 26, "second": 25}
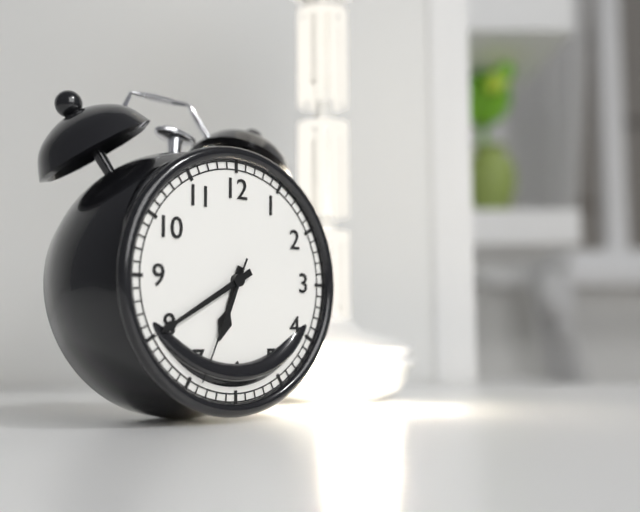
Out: {"hour": 6, "minute": 40, "second": 34}
